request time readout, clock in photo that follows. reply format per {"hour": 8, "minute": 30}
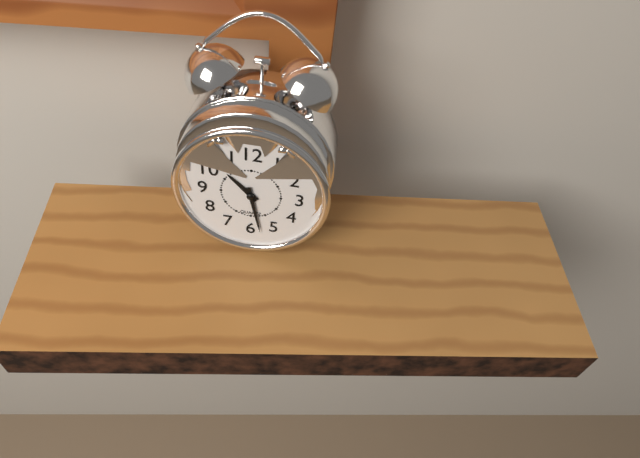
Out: {"hour": 10, "minute": 28}
